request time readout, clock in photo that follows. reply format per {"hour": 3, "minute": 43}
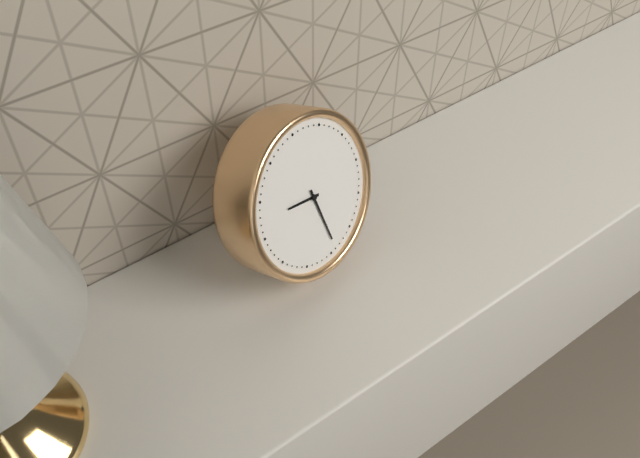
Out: {"hour": 9, "minute": 29}
